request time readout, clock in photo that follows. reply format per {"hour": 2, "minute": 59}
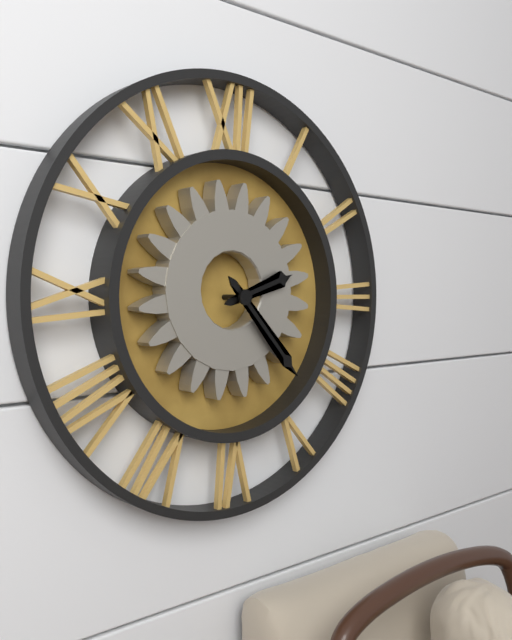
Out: {"hour": 2, "minute": 23}
